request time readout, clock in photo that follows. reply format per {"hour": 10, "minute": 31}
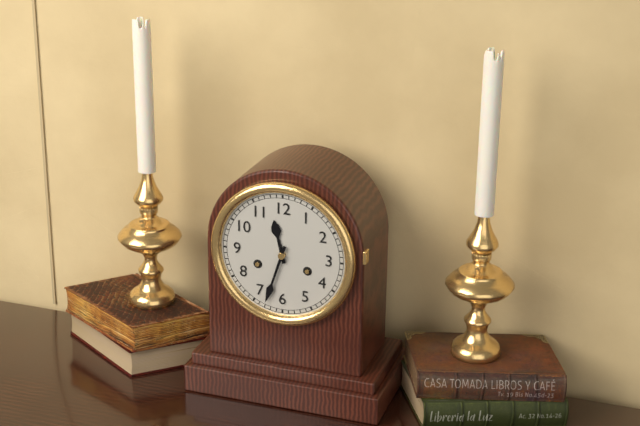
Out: {"hour": 11, "minute": 33}
